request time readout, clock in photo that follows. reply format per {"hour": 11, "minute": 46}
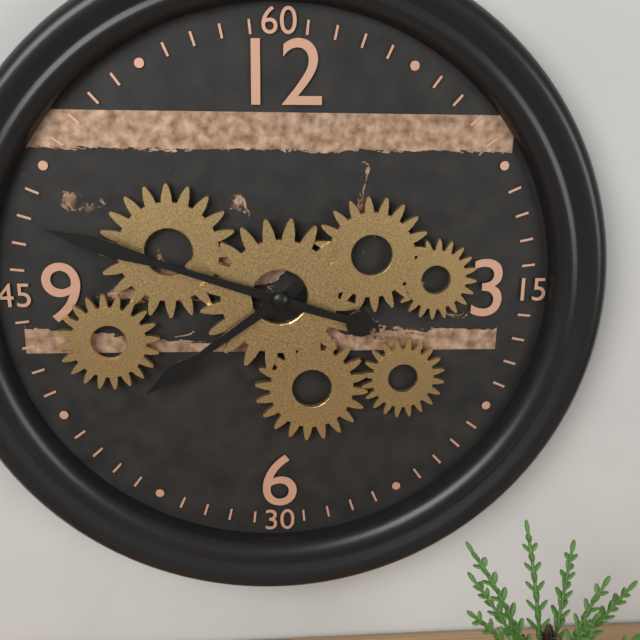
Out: {"hour": 7, "minute": 48}
